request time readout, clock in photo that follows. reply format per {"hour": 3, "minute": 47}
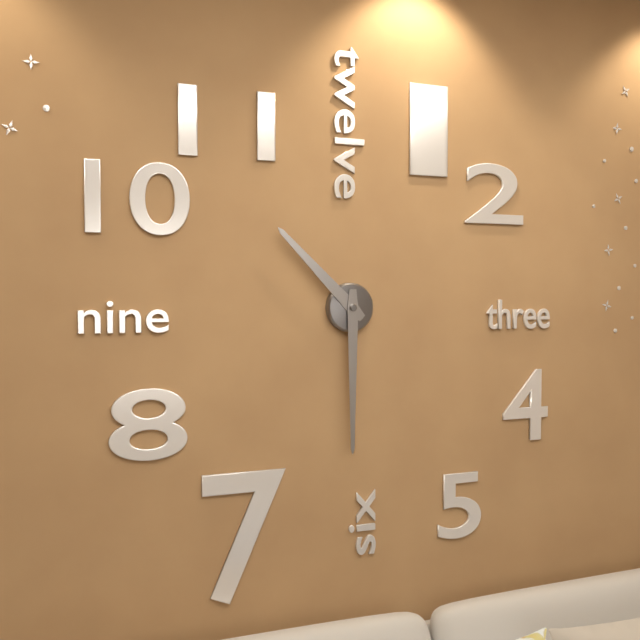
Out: {"hour": 10, "minute": 30}
